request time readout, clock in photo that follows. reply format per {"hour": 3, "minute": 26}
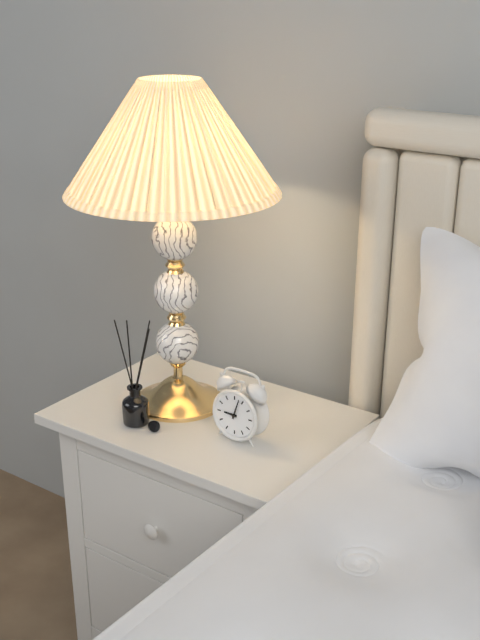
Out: {"hour": 9, "minute": 3}
